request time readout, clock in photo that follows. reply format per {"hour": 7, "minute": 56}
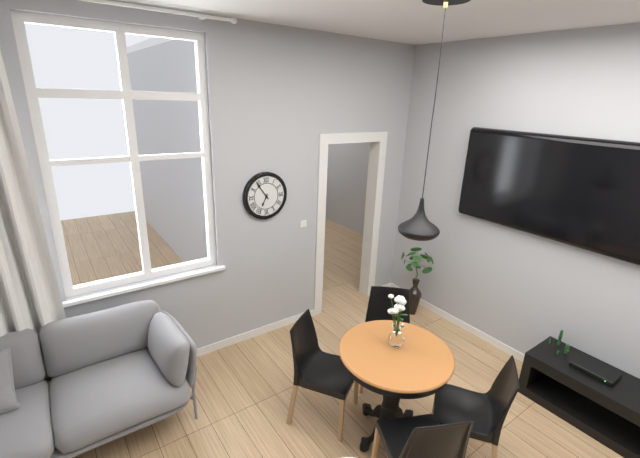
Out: {"hour": 6, "minute": 54}
